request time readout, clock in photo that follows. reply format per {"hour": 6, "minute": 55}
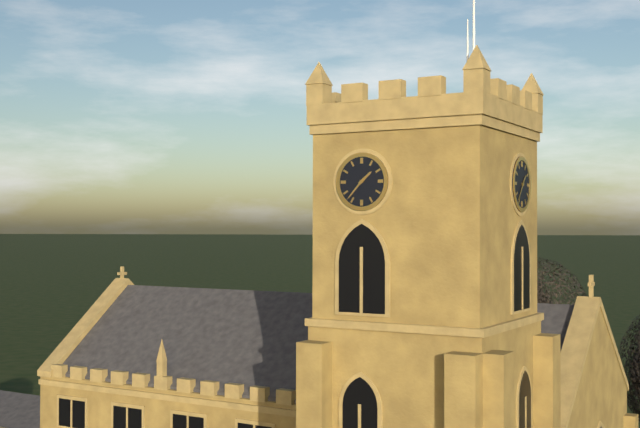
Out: {"hour": 1, "minute": 37}
